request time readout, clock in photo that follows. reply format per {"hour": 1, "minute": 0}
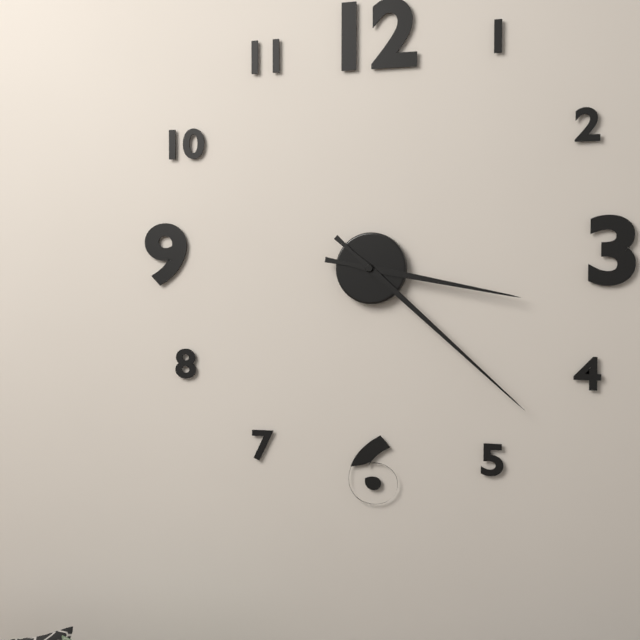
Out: {"hour": 3, "minute": 22}
